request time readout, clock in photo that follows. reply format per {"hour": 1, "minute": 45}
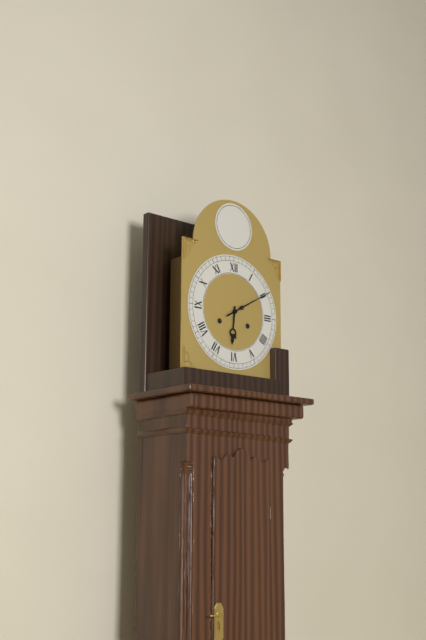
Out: {"hour": 6, "minute": 10}
